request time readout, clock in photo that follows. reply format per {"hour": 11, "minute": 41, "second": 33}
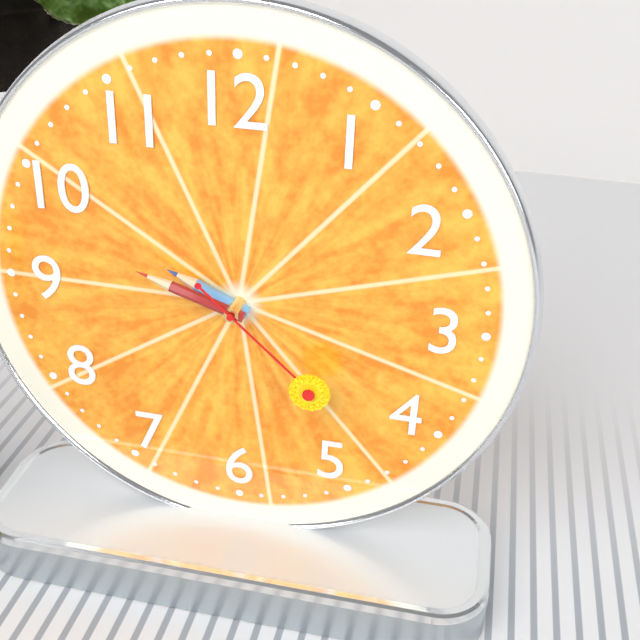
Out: {"hour": 9, "minute": 48, "second": 22}
